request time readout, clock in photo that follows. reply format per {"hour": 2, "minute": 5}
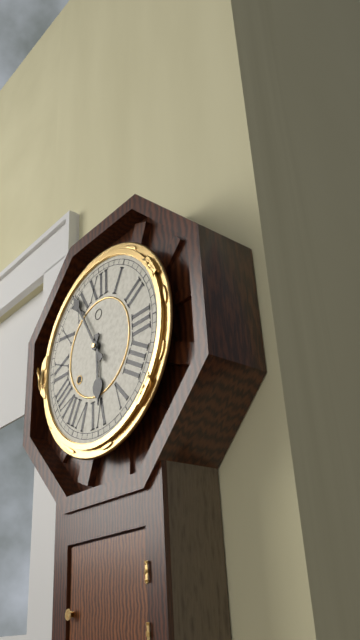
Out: {"hour": 5, "minute": 55}
